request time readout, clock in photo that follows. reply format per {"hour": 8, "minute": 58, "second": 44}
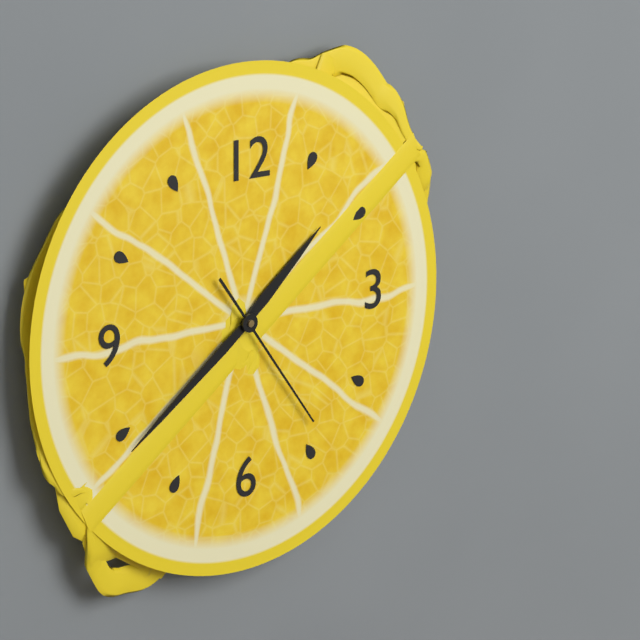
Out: {"hour": 1, "minute": 39, "second": 24}
